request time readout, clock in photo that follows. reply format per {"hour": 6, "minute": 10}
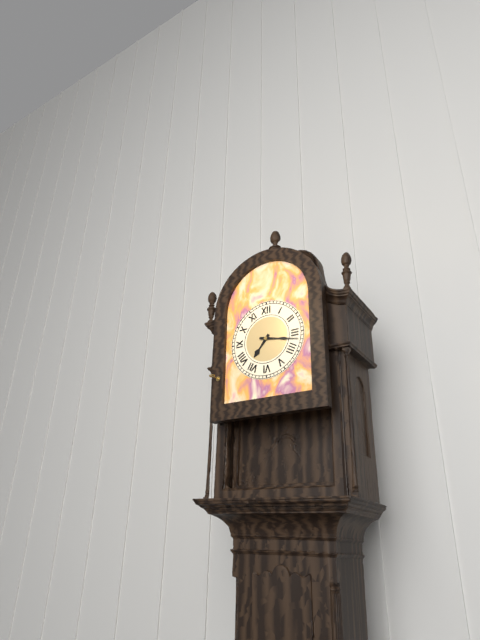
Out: {"hour": 7, "minute": 17}
